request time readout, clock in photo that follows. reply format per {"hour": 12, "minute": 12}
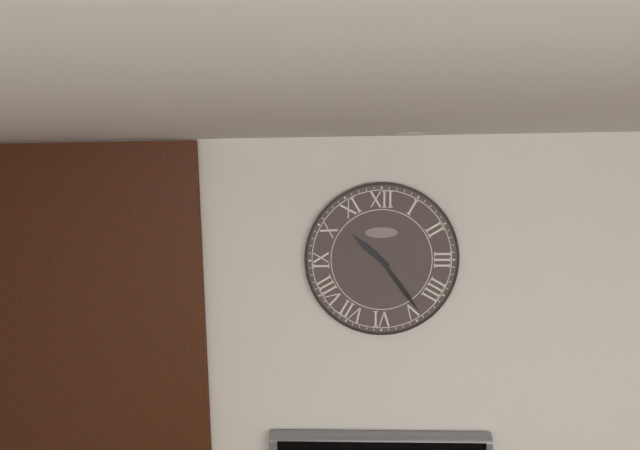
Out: {"hour": 10, "minute": 24}
